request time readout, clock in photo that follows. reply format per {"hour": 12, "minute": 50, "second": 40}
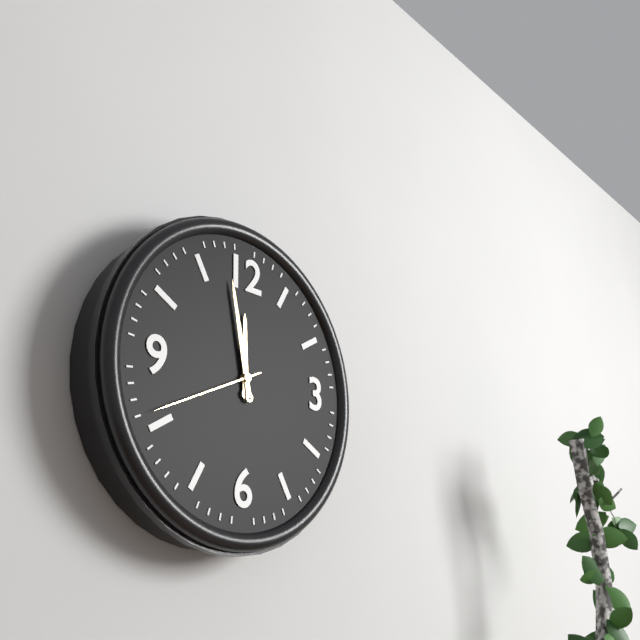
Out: {"hour": 11, "minute": 58, "second": 41}
